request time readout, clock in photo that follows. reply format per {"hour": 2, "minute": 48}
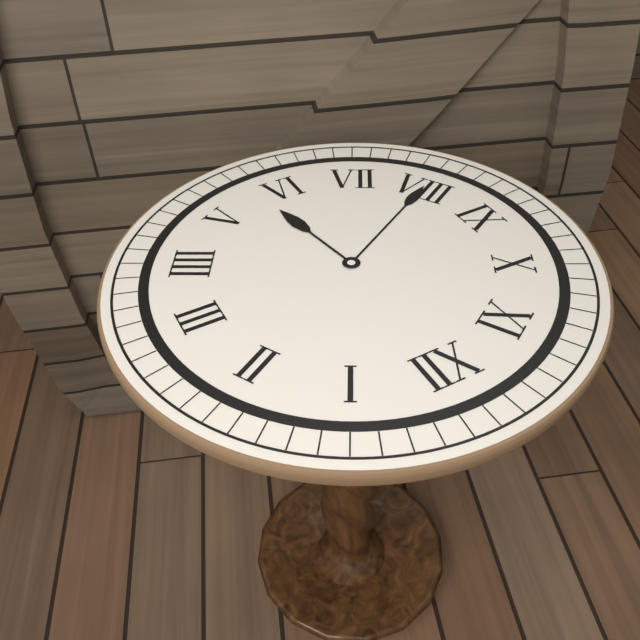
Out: {"hour": 5, "minute": 40}
